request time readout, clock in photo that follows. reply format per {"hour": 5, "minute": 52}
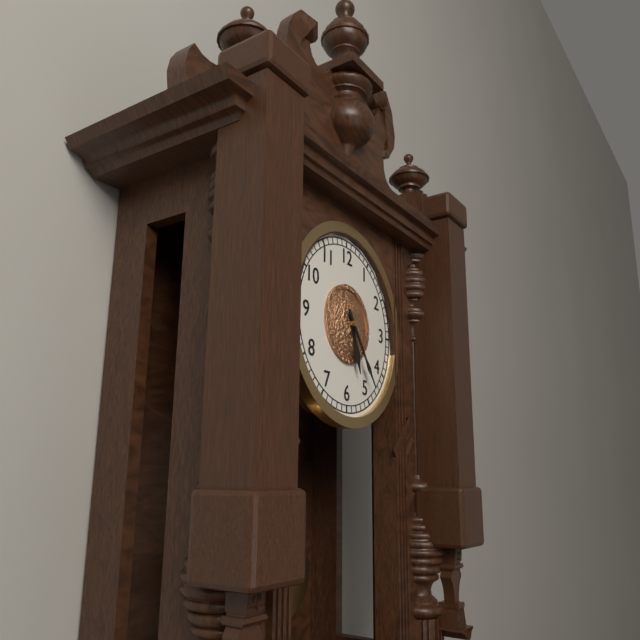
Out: {"hour": 5, "minute": 24}
